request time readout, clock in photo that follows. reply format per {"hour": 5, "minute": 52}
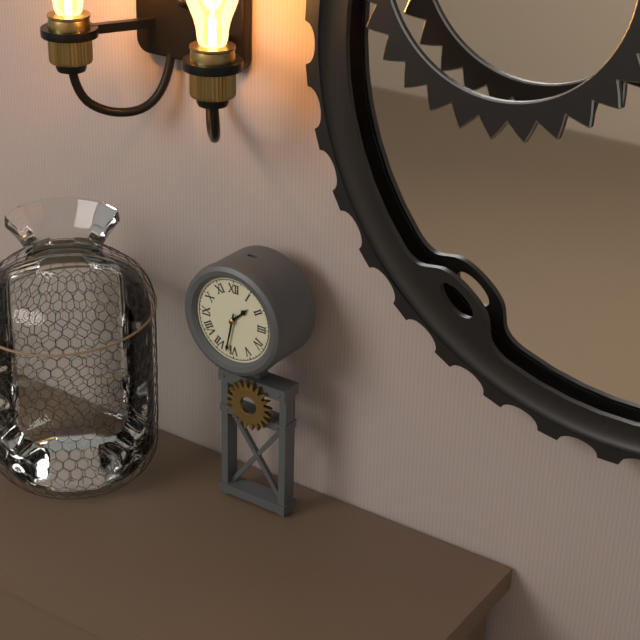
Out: {"hour": 1, "minute": 32}
